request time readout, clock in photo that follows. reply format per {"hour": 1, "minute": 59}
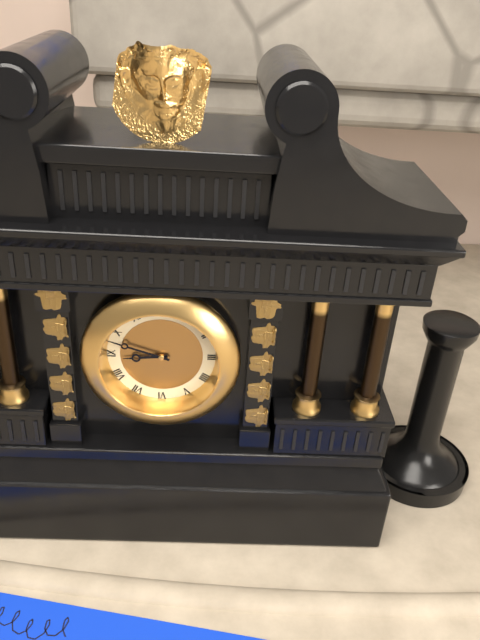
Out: {"hour": 8, "minute": 48}
